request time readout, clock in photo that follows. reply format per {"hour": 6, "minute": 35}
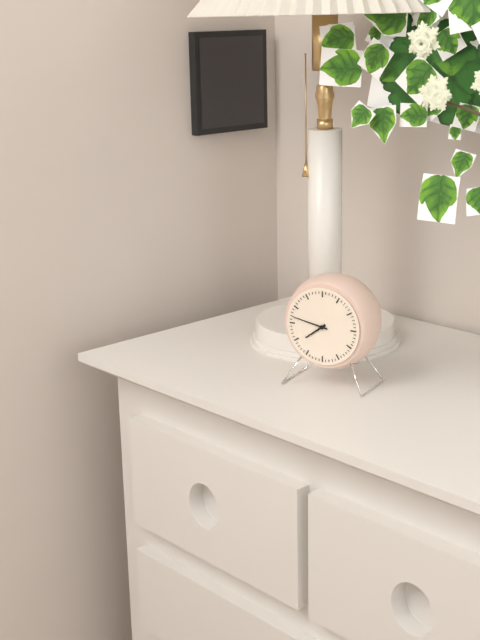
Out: {"hour": 7, "minute": 47}
